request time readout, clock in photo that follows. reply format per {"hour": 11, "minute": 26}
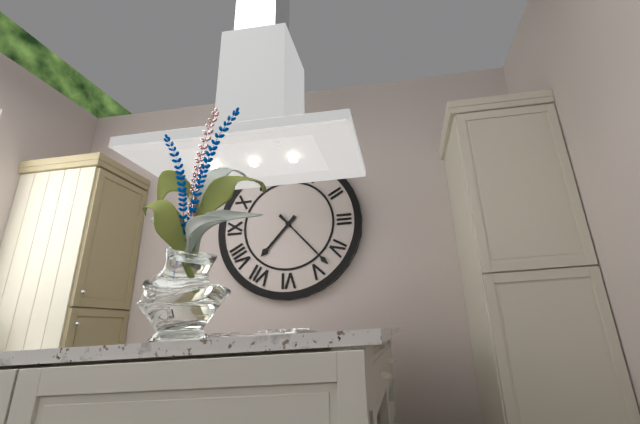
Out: {"hour": 7, "minute": 23}
